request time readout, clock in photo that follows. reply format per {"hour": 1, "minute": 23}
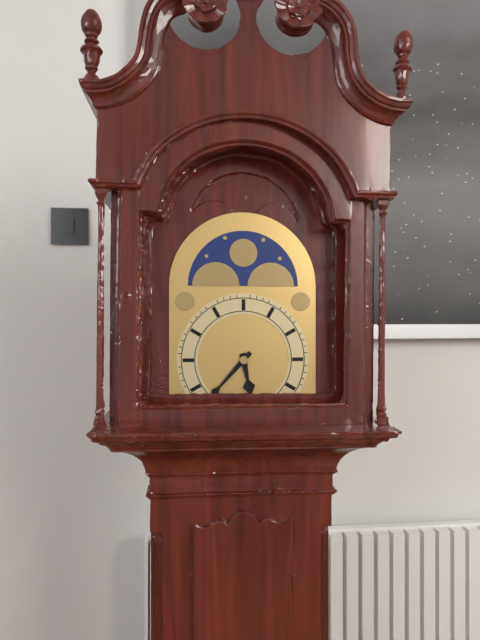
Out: {"hour": 5, "minute": 37}
